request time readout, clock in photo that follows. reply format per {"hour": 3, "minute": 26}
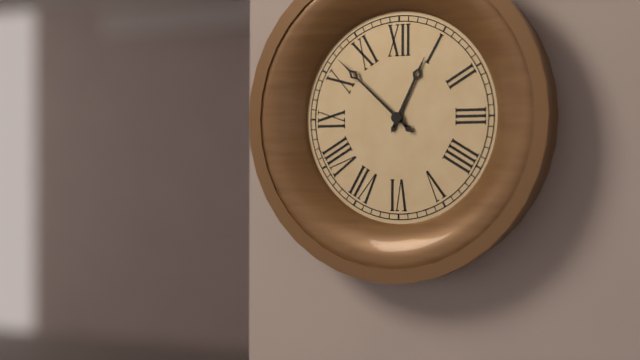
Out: {"hour": 12, "minute": 52}
